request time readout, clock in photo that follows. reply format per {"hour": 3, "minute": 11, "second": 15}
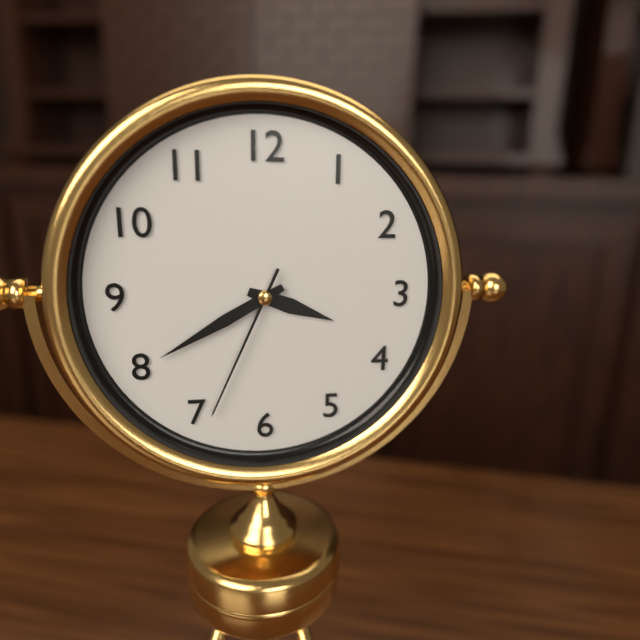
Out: {"hour": 3, "minute": 40, "second": 34}
